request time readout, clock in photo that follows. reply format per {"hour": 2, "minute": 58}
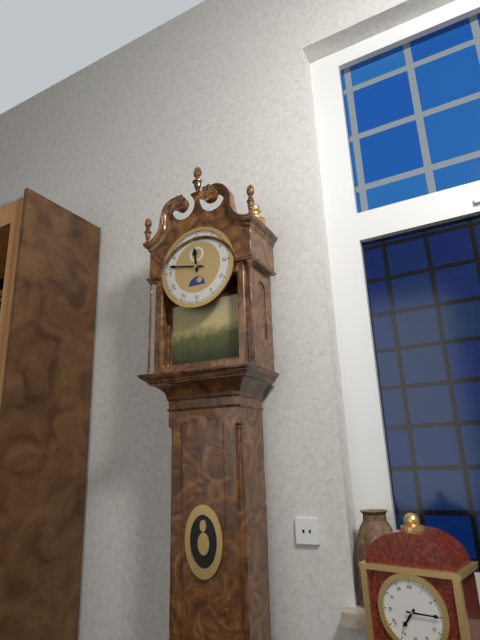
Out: {"hour": 11, "minute": 47}
